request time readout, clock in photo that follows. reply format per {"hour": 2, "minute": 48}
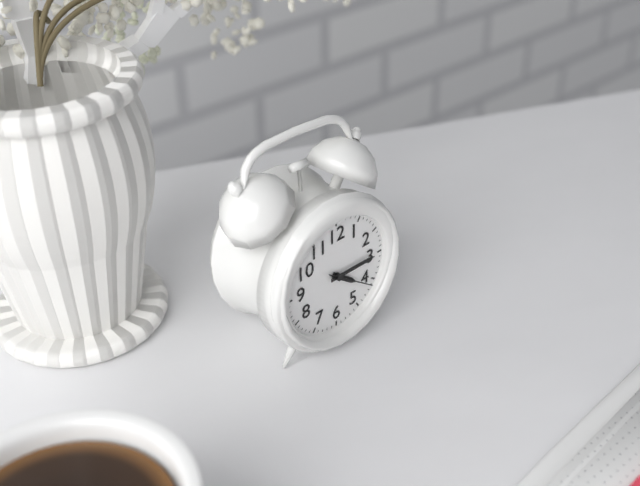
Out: {"hour": 4, "minute": 15}
